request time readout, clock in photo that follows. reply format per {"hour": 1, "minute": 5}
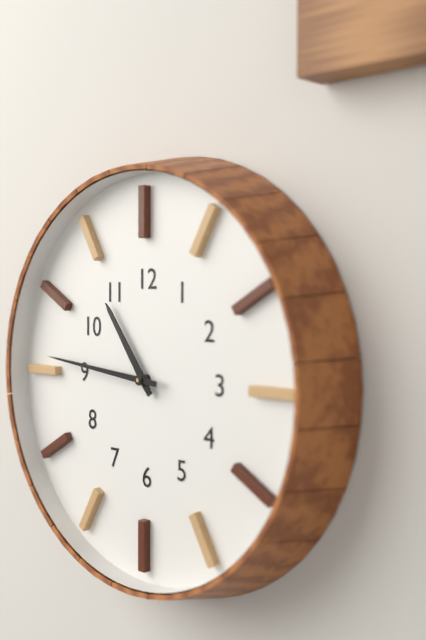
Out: {"hour": 10, "minute": 46}
